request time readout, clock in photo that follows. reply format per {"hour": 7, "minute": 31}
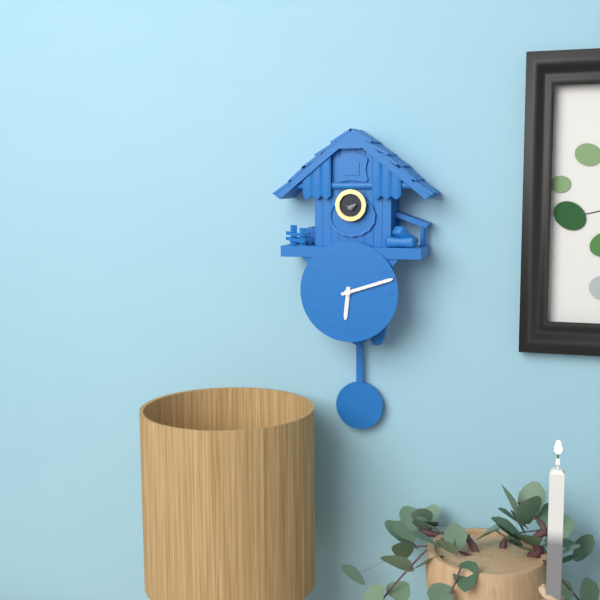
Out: {"hour": 6, "minute": 12}
